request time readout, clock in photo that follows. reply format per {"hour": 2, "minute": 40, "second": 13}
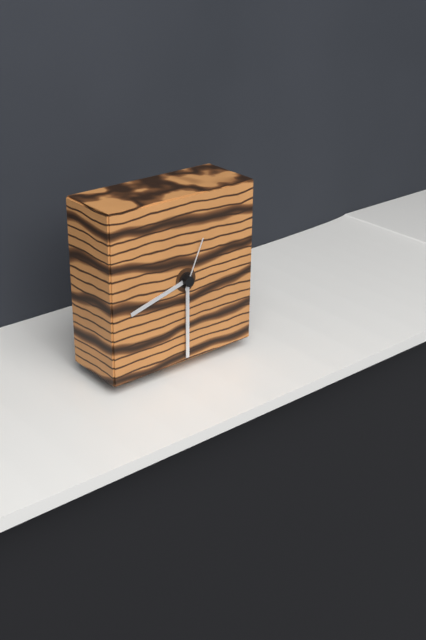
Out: {"hour": 8, "minute": 30, "second": 4}
